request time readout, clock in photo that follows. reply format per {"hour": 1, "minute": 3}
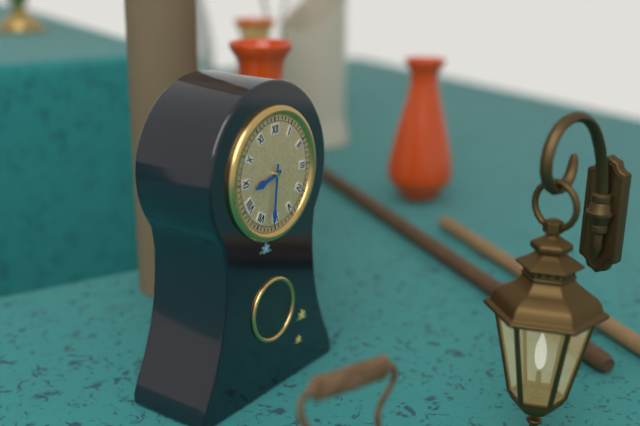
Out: {"hour": 8, "minute": 31}
